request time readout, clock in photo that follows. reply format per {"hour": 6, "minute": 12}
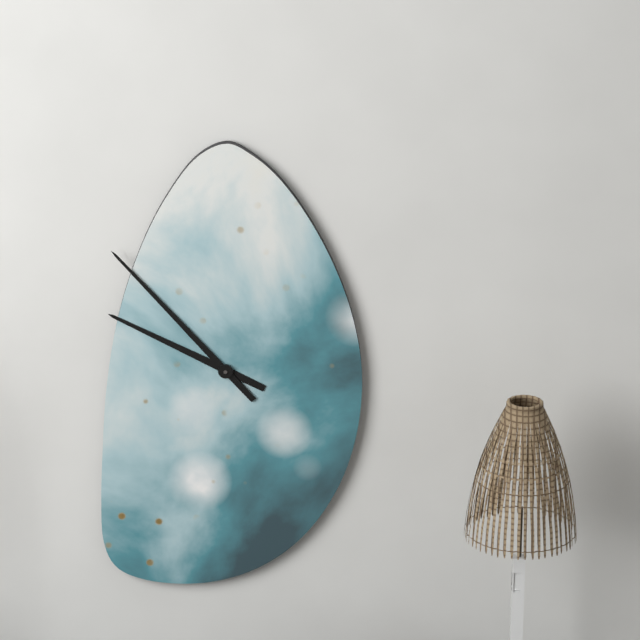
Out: {"hour": 9, "minute": 53}
